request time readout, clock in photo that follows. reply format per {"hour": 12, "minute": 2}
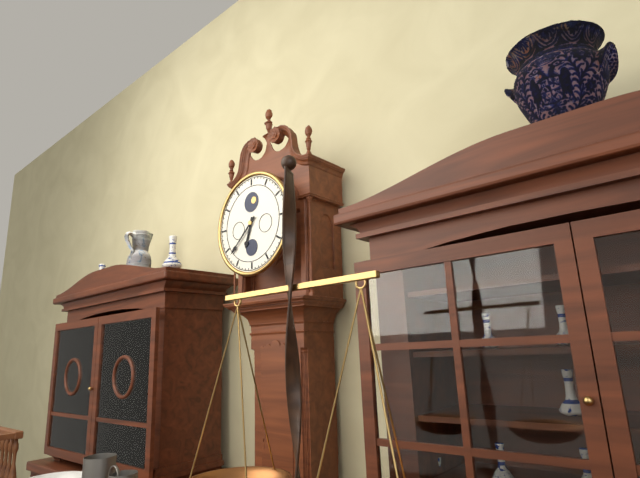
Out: {"hour": 6, "minute": 38}
